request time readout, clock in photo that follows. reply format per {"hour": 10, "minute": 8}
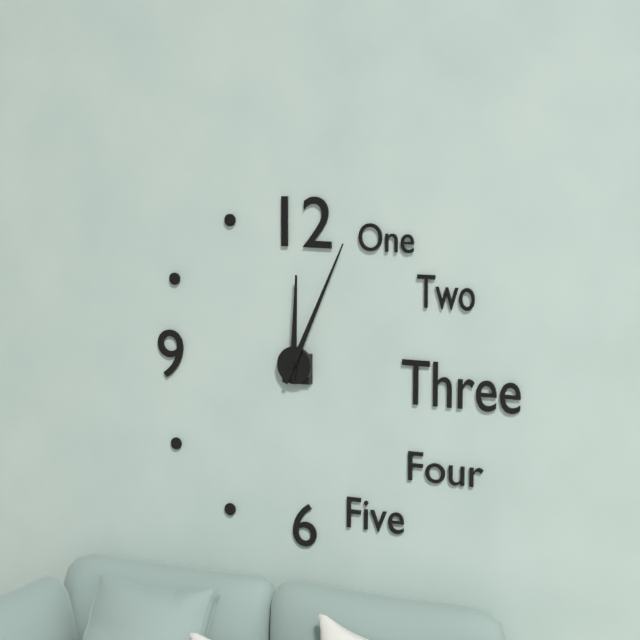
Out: {"hour": 12, "minute": 4}
